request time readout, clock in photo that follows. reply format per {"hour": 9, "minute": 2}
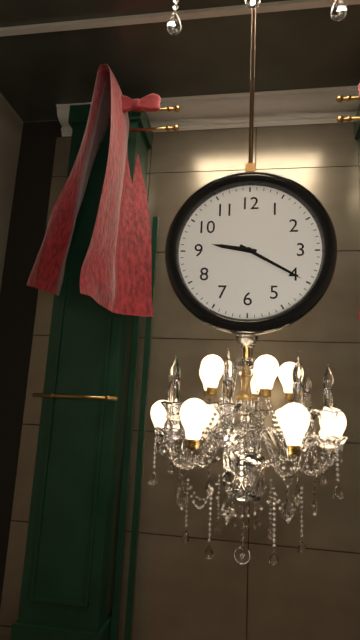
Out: {"hour": 9, "minute": 20}
